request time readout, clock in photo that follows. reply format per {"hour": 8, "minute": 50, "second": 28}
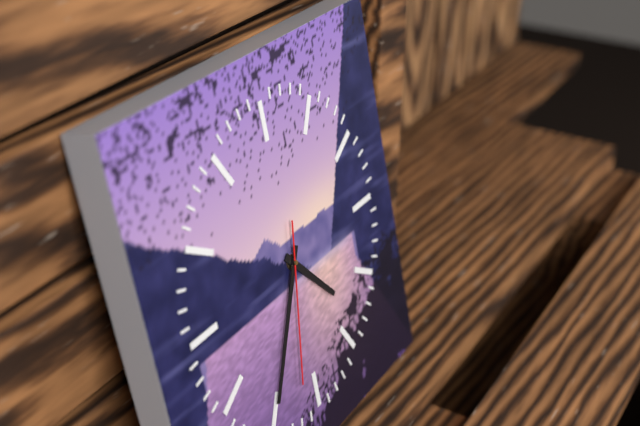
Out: {"hour": 4, "minute": 35, "second": 32}
